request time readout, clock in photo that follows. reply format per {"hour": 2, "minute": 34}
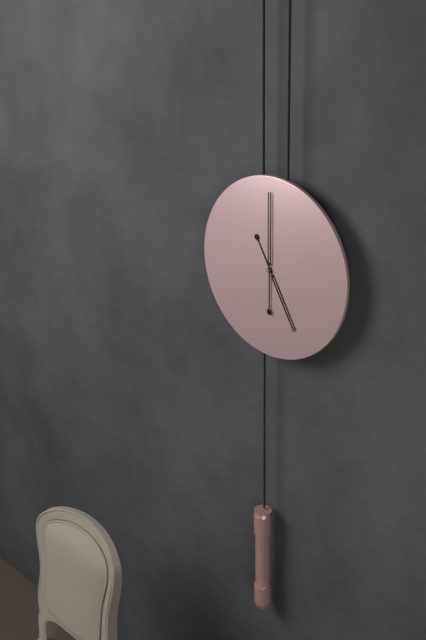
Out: {"hour": 5, "minute": 0}
